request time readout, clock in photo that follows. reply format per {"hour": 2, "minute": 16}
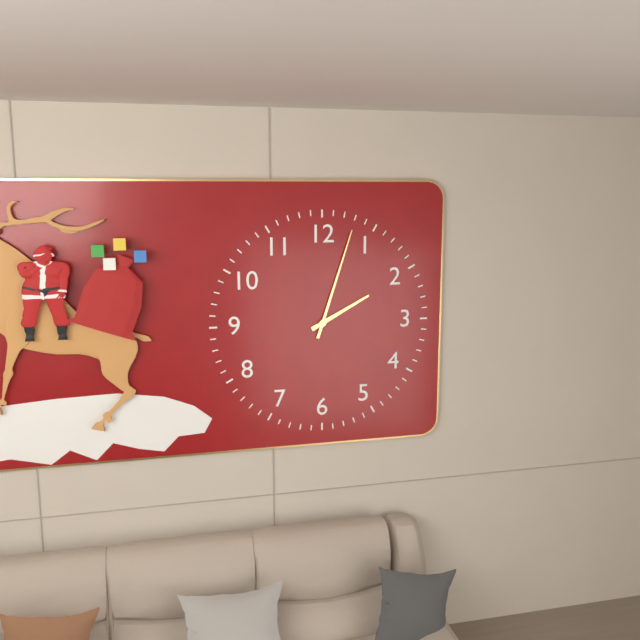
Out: {"hour": 2, "minute": 3}
